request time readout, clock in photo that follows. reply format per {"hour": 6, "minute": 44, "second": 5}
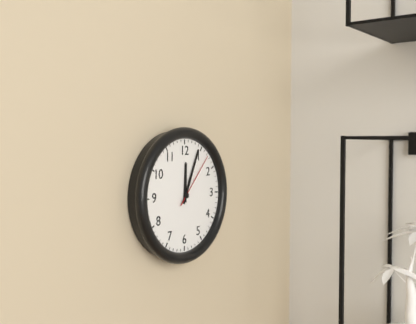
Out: {"hour": 12, "minute": 4, "second": 7}
